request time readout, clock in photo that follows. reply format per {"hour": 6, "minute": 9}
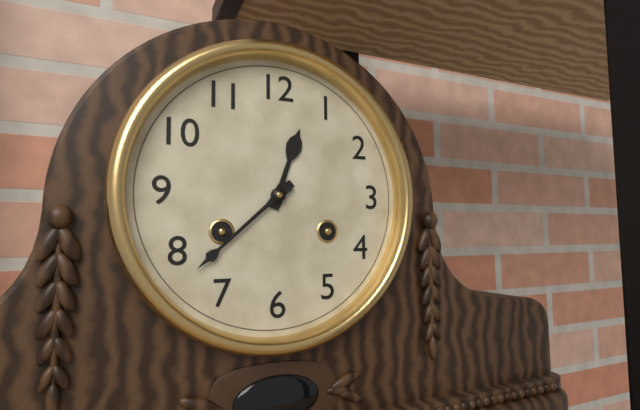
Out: {"hour": 12, "minute": 38}
